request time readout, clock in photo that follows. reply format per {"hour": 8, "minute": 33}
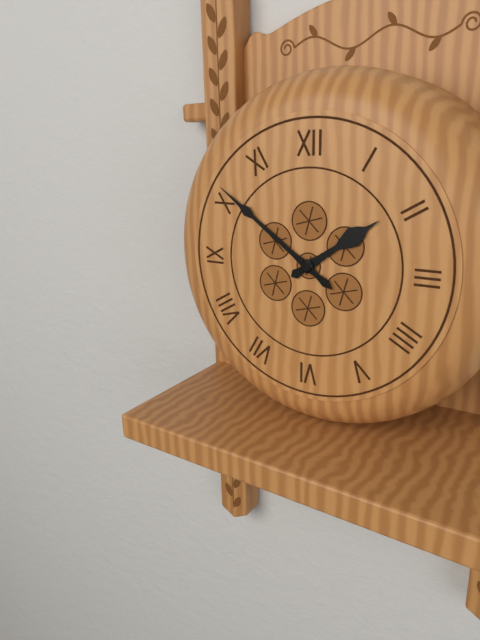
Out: {"hour": 1, "minute": 51}
